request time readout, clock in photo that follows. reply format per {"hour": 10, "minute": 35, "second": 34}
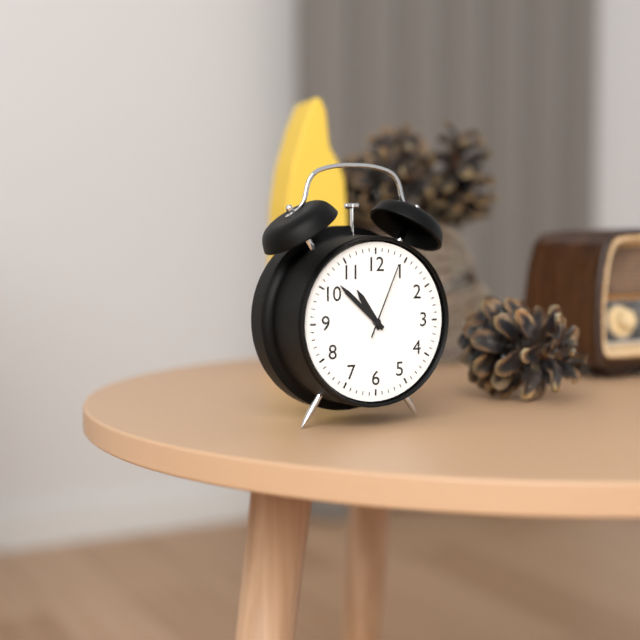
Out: {"hour": 10, "minute": 52, "second": 4}
